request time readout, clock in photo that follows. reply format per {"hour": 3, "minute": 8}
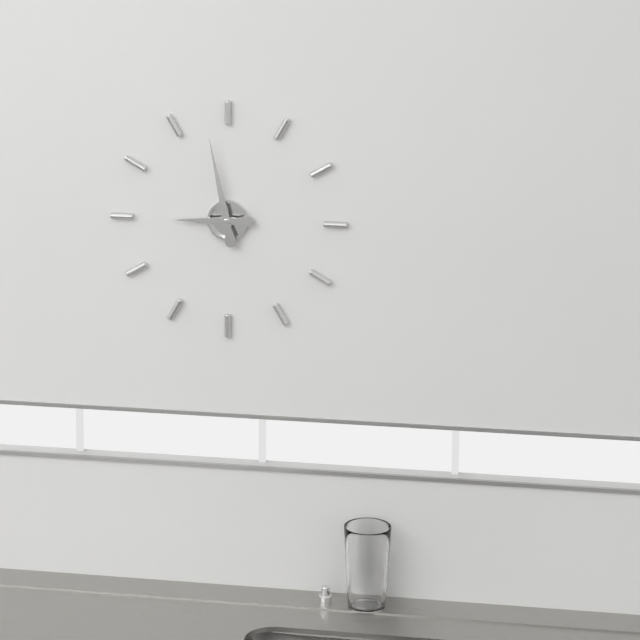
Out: {"hour": 8, "minute": 58}
